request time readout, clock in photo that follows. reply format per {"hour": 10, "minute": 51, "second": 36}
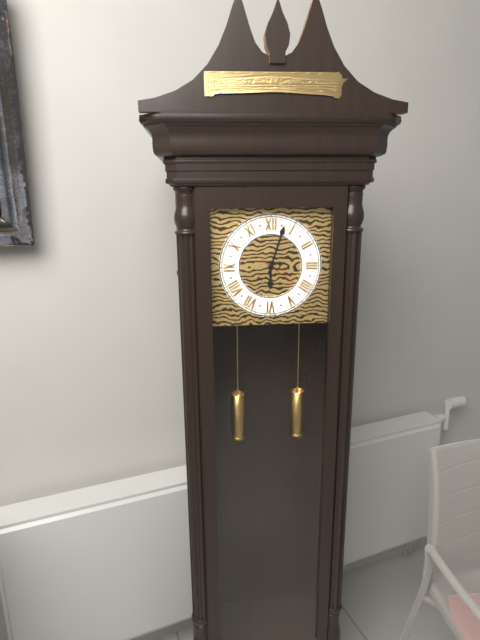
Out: {"hour": 6, "minute": 3, "second": 21}
